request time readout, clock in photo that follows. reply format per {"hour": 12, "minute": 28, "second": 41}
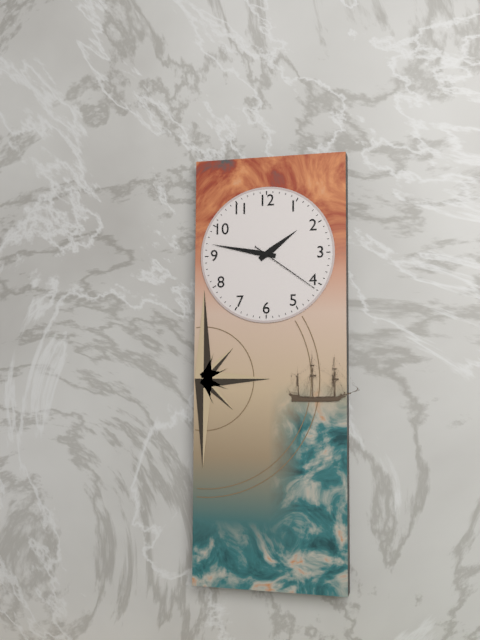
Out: {"hour": 1, "minute": 47, "second": 21}
